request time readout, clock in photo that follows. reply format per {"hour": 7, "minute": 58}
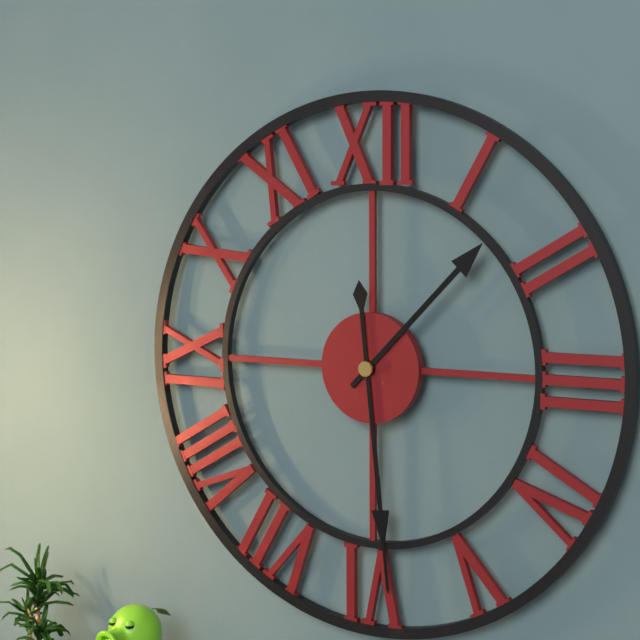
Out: {"hour": 1, "minute": 29}
